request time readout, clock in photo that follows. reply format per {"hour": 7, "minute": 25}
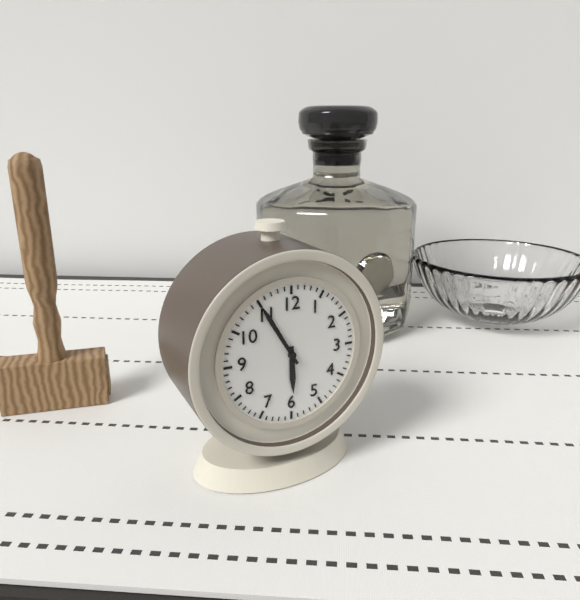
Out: {"hour": 5, "minute": 55}
